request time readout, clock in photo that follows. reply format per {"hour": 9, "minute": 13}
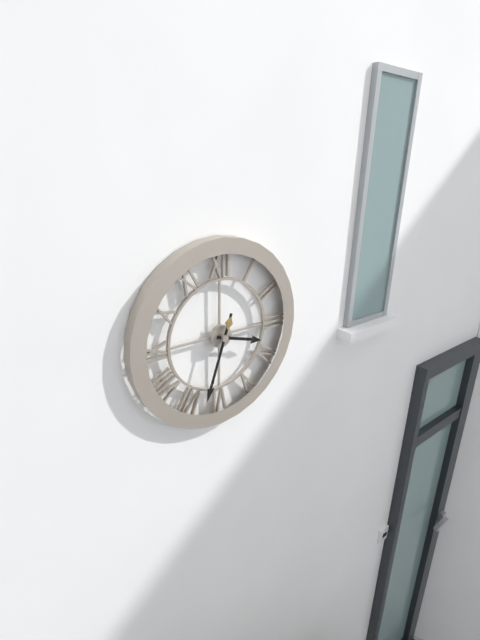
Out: {"hour": 3, "minute": 33}
